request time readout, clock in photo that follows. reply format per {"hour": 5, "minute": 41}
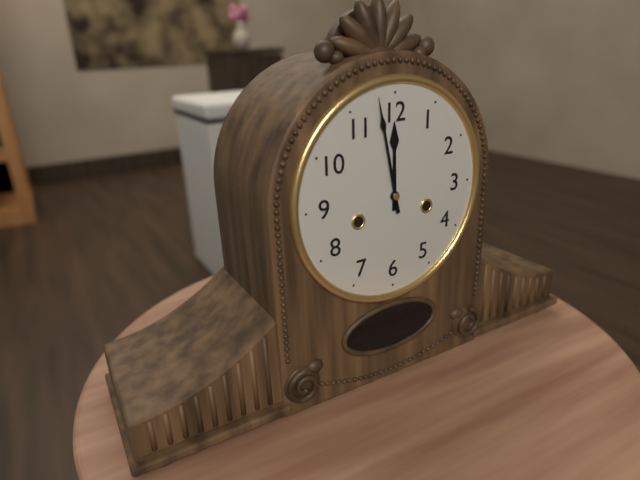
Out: {"hour": 11, "minute": 58}
